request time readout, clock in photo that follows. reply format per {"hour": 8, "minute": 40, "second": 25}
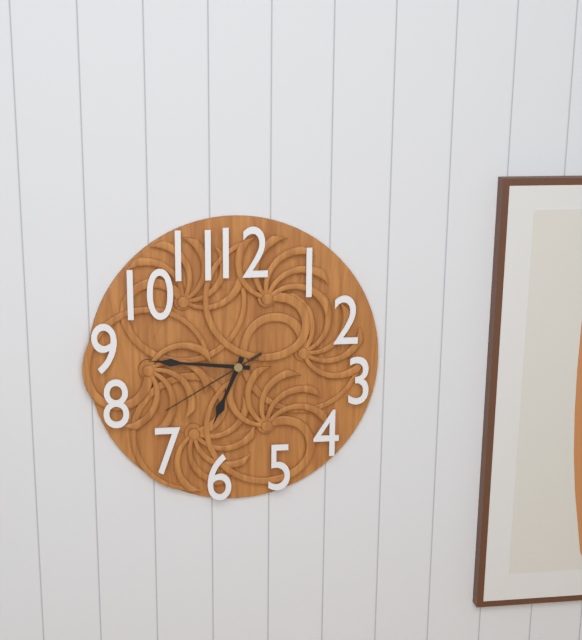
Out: {"hour": 6, "minute": 46, "second": 40}
